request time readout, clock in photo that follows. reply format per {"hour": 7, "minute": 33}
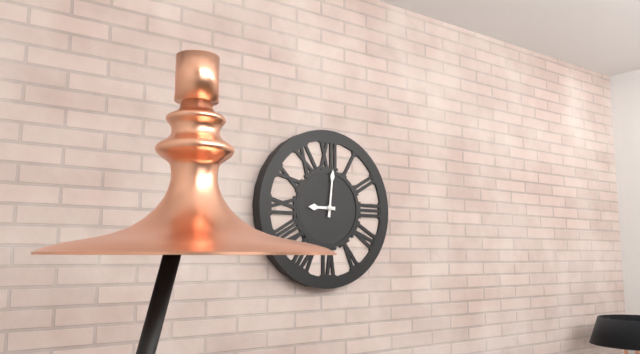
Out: {"hour": 9, "minute": 1}
